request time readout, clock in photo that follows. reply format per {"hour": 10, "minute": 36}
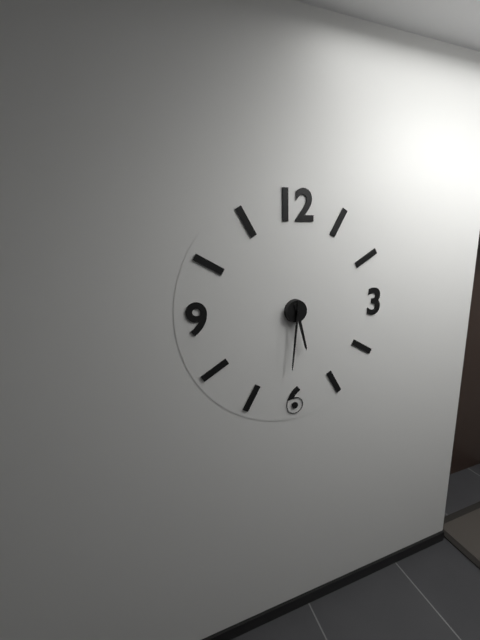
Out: {"hour": 5, "minute": 31}
